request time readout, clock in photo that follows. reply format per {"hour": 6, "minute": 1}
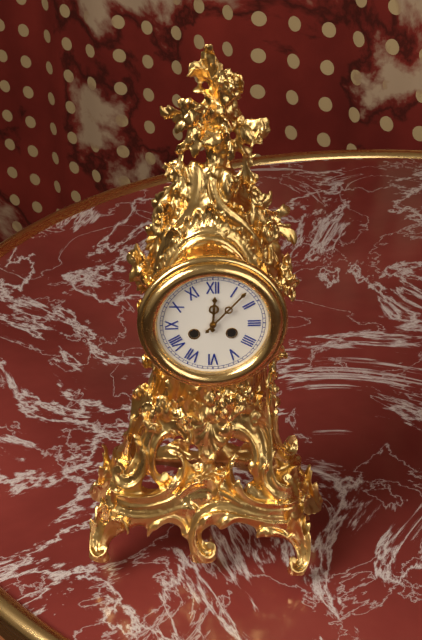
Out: {"hour": 12, "minute": 7}
